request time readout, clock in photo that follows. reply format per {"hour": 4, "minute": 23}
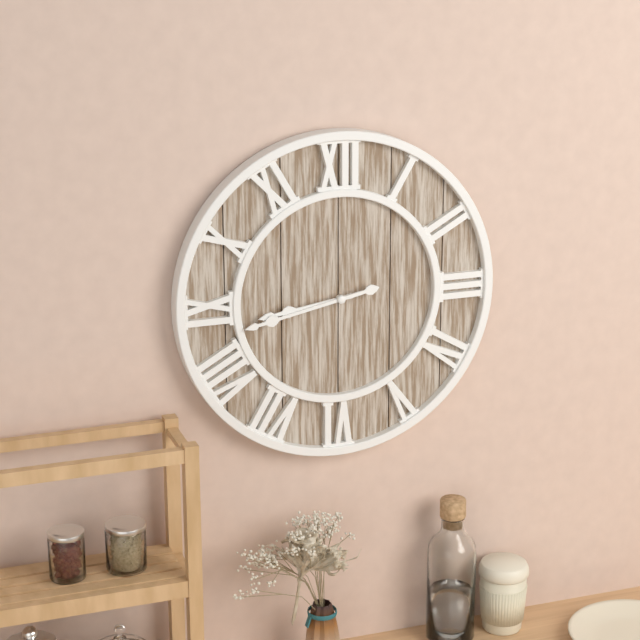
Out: {"hour": 8, "minute": 43}
